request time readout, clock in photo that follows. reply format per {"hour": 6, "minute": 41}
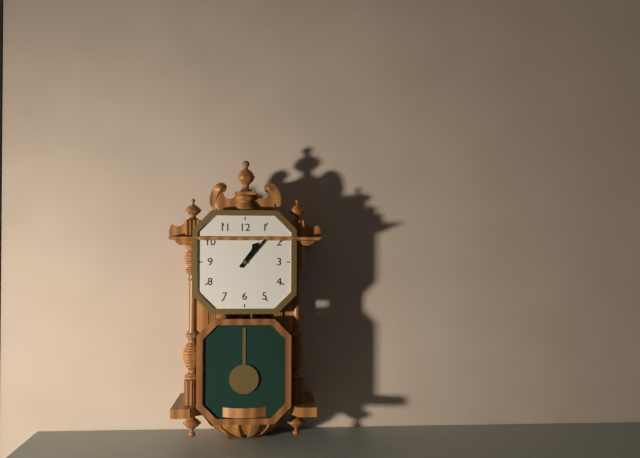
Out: {"hour": 1, "minute": 7}
